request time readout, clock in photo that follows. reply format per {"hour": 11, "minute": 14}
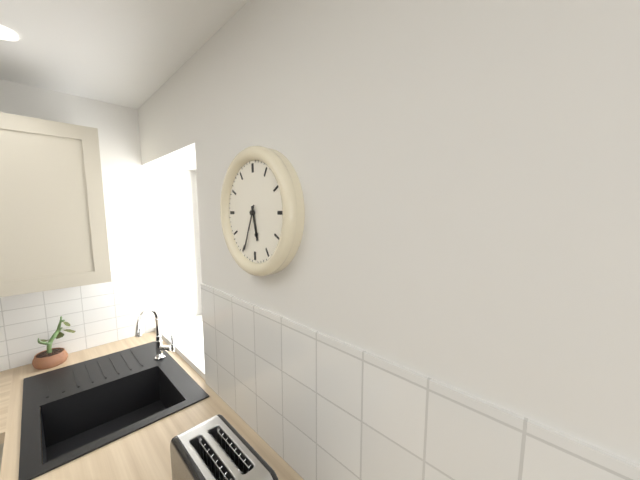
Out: {"hour": 5, "minute": 34}
